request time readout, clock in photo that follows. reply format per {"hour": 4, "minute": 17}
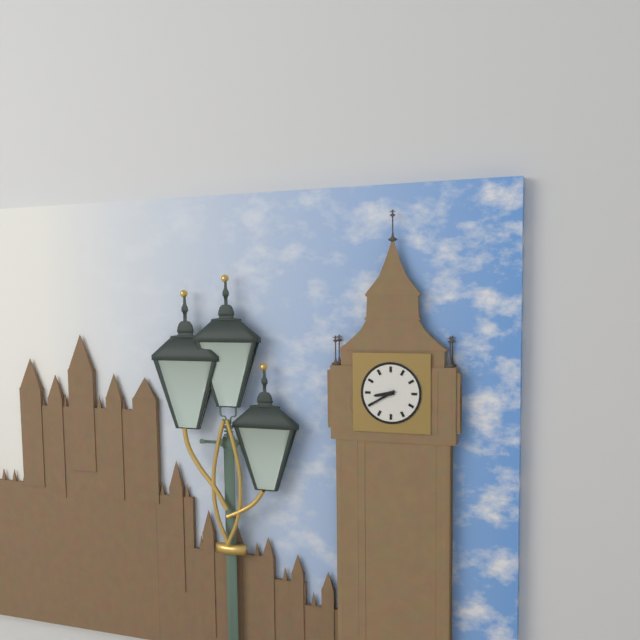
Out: {"hour": 8, "minute": 40}
